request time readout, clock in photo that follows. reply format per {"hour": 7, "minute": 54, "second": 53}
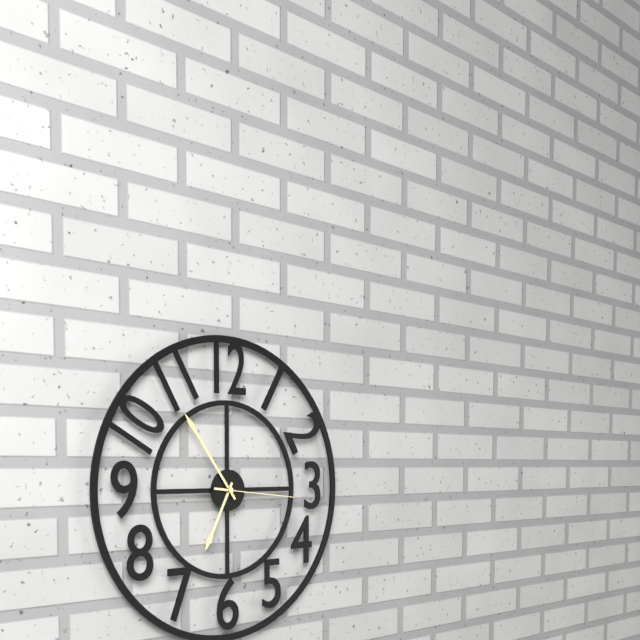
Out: {"hour": 6, "minute": 54, "second": 16}
